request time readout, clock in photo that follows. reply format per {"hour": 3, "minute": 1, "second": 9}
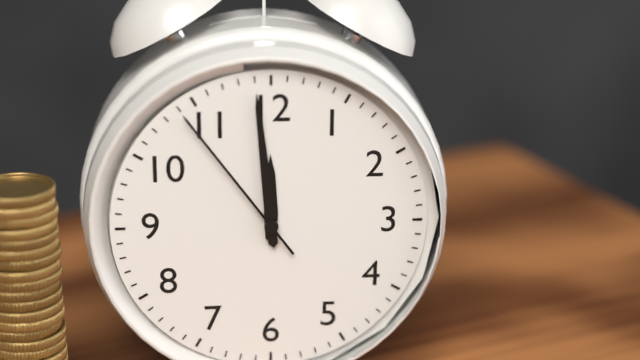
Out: {"hour": 11, "minute": 59, "second": 54}
